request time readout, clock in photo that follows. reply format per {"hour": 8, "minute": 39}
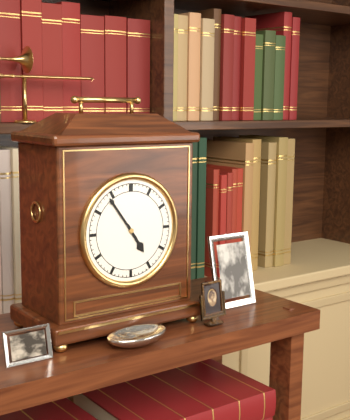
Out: {"hour": 4, "minute": 54}
